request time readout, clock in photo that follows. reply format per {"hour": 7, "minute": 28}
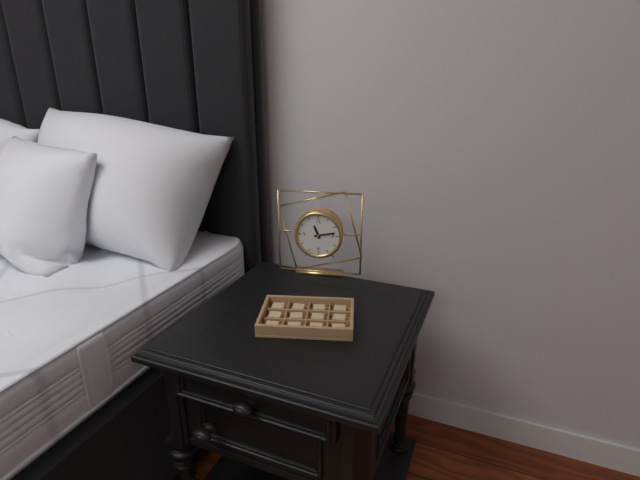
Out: {"hour": 11, "minute": 13}
